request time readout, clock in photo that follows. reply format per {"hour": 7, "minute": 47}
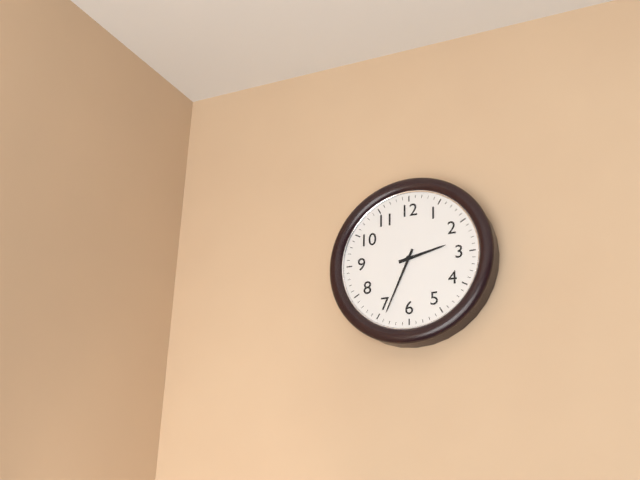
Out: {"hour": 2, "minute": 34}
